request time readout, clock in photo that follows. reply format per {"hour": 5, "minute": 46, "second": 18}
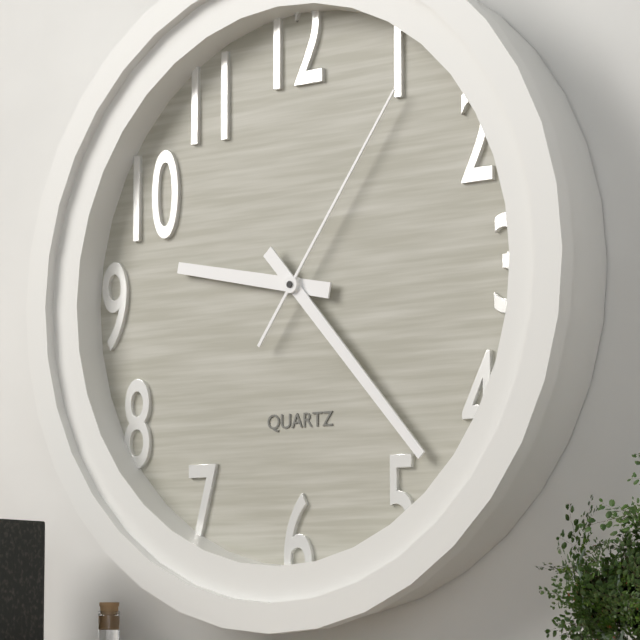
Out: {"hour": 9, "minute": 23, "second": 6}
